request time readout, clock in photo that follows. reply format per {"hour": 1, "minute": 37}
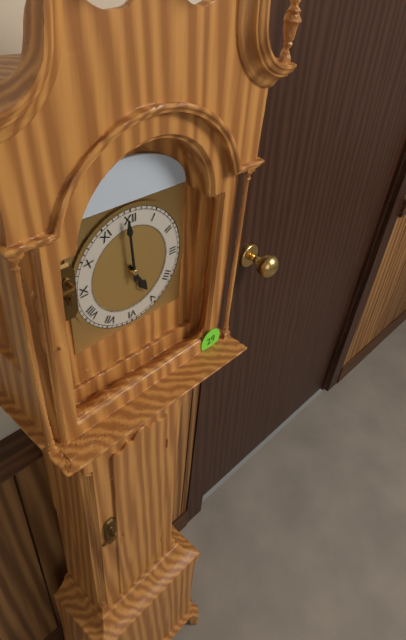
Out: {"hour": 4, "minute": 59}
